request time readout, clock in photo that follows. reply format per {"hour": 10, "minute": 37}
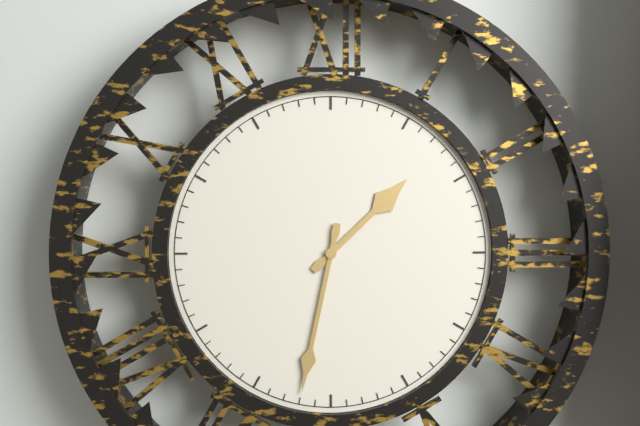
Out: {"hour": 1, "minute": 32}
